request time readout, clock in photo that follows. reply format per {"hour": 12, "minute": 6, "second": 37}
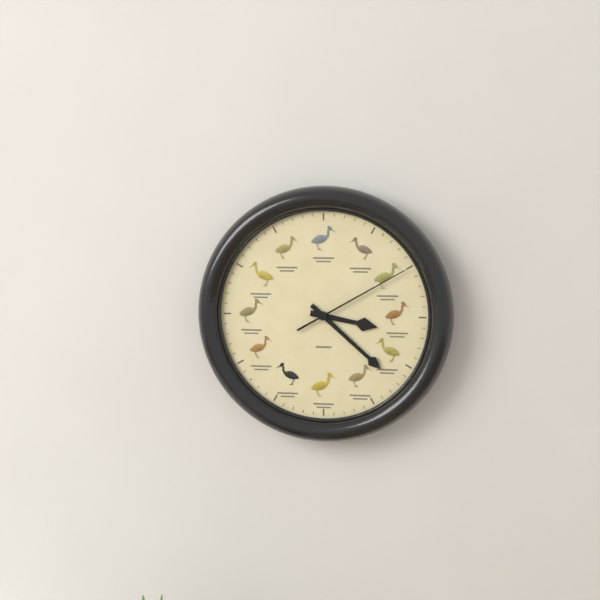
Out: {"hour": 3, "minute": 22, "second": 10}
